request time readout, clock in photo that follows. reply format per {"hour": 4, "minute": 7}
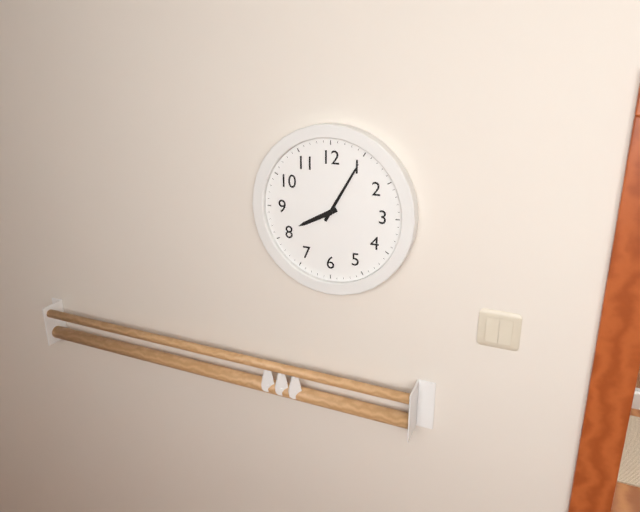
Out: {"hour": 8, "minute": 5}
